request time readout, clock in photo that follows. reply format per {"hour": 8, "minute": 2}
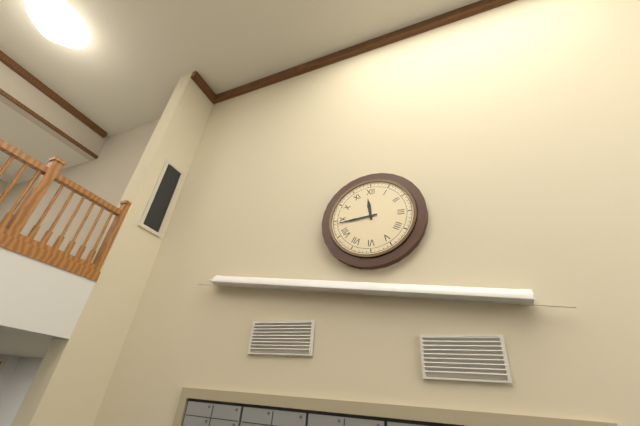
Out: {"hour": 11, "minute": 44}
